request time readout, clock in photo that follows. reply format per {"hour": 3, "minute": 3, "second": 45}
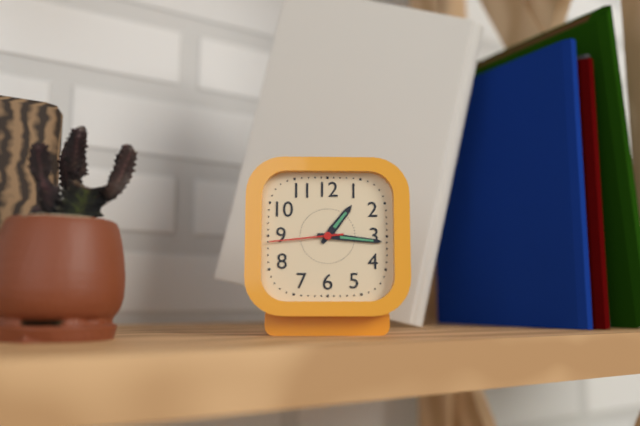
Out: {"hour": 1, "minute": 16, "second": 44}
